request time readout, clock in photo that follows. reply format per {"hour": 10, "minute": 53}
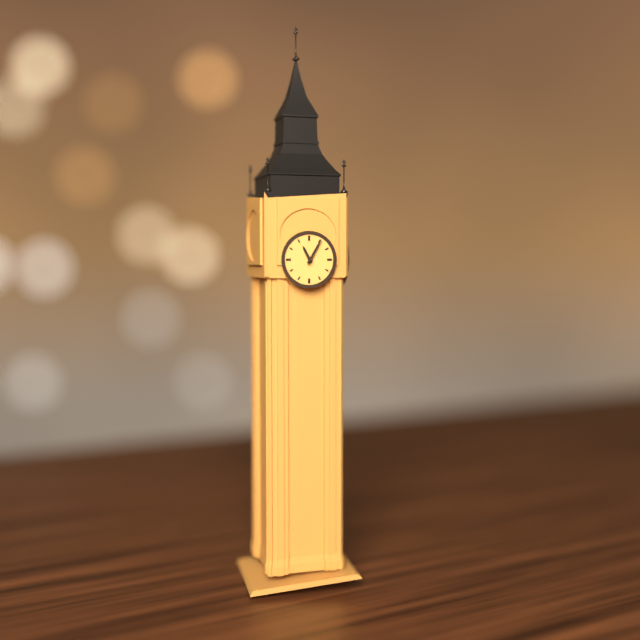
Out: {"hour": 11, "minute": 5}
